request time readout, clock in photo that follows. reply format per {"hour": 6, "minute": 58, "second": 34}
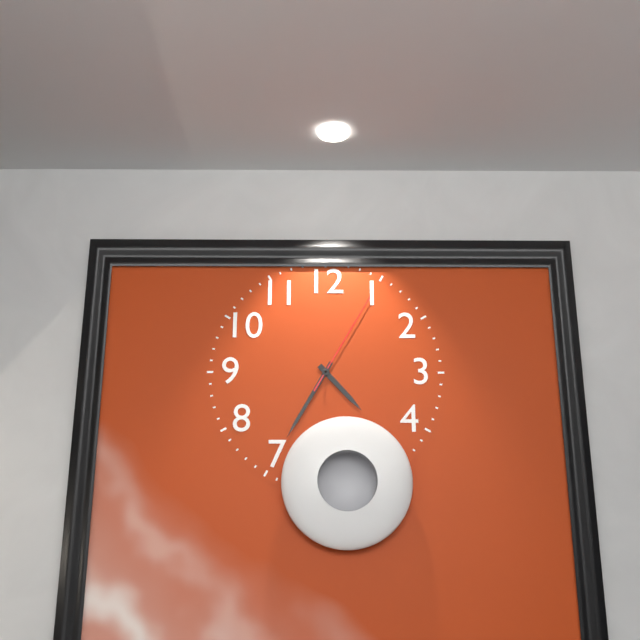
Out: {"hour": 4, "minute": 35, "second": 5}
